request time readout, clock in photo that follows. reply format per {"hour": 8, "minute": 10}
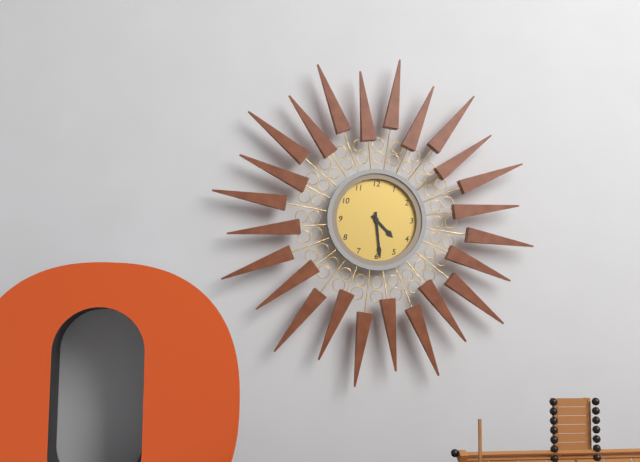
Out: {"hour": 4, "minute": 29}
